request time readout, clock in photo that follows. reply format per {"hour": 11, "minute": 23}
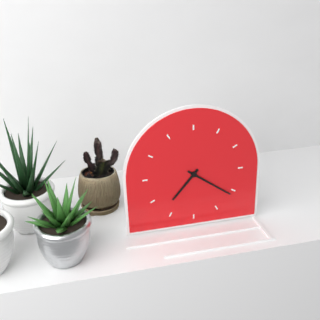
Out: {"hour": 7, "minute": 21}
